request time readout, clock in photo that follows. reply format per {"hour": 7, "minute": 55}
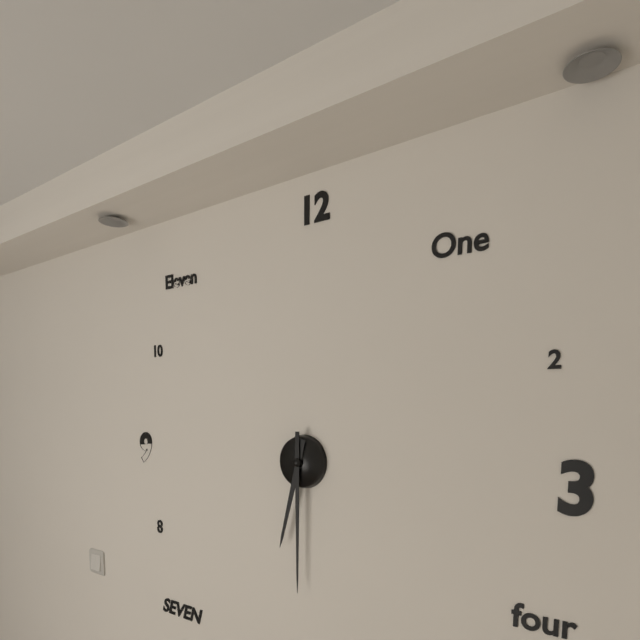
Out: {"hour": 6, "minute": 30}
